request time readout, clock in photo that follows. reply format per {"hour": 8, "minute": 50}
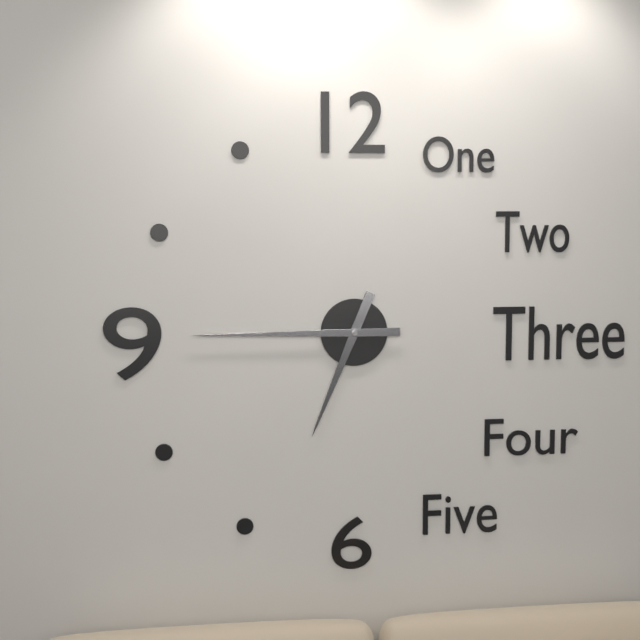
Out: {"hour": 6, "minute": 45}
